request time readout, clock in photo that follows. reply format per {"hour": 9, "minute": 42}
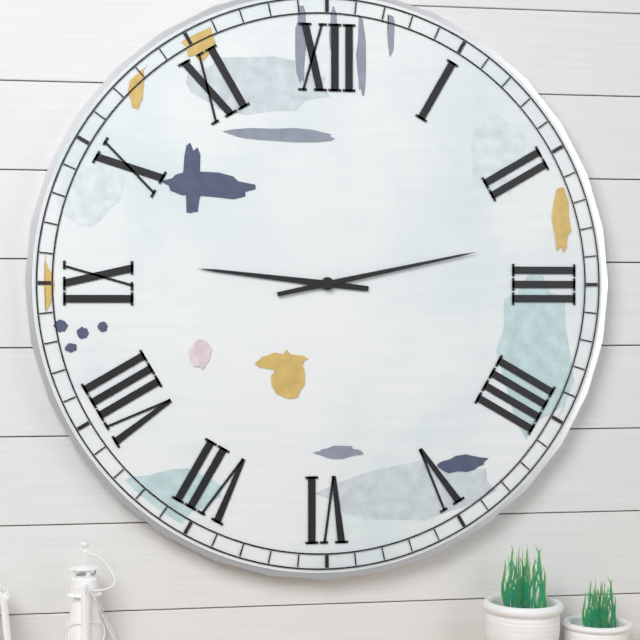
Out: {"hour": 9, "minute": 13}
